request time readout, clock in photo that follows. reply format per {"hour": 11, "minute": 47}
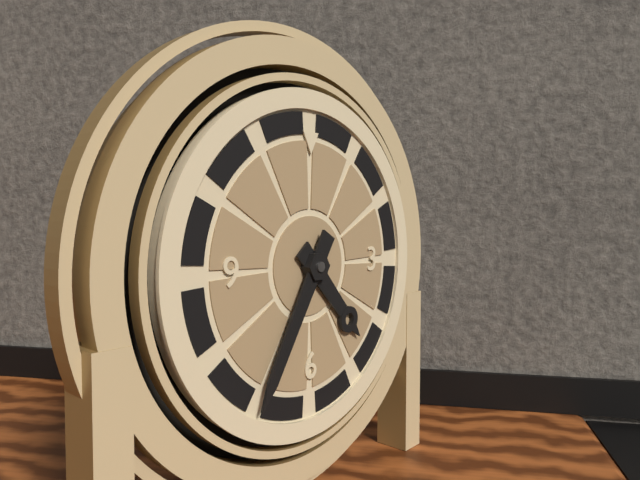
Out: {"hour": 4, "minute": 35}
